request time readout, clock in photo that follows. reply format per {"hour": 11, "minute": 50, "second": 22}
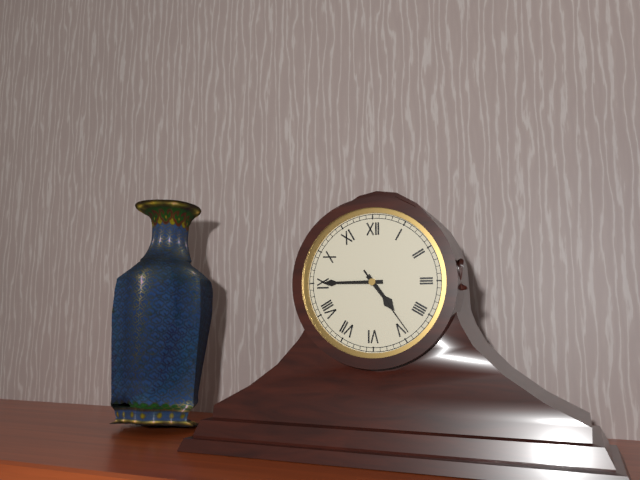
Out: {"hour": 4, "minute": 45, "second": 24}
